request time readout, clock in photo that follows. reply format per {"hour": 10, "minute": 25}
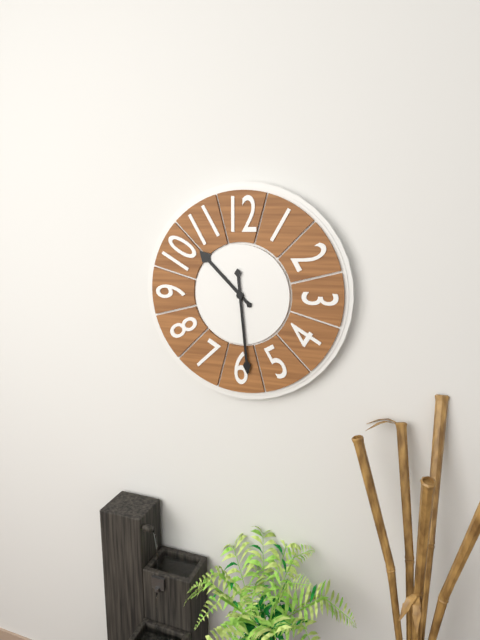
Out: {"hour": 10, "minute": 29}
